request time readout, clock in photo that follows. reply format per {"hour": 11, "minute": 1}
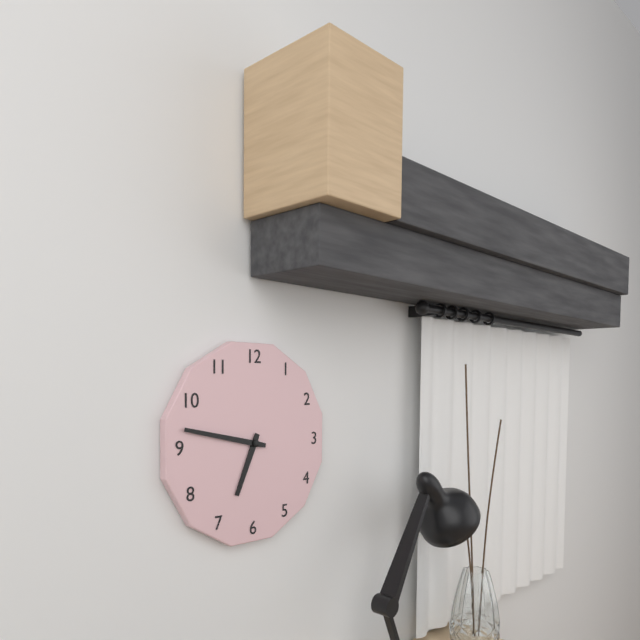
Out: {"hour": 6, "minute": 47}
